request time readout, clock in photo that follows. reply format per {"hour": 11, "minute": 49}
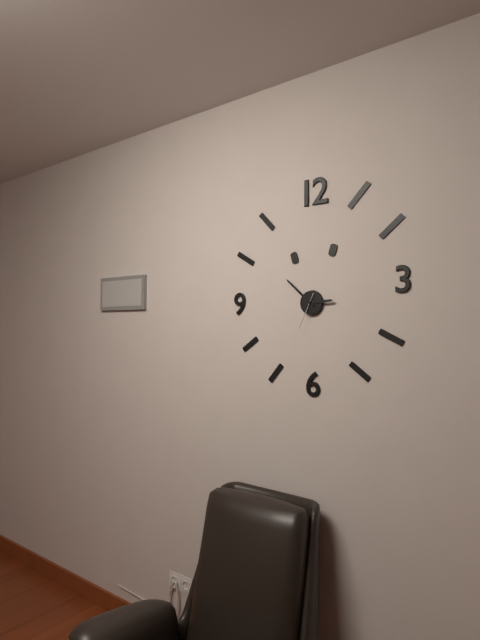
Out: {"hour": 2, "minute": 52}
